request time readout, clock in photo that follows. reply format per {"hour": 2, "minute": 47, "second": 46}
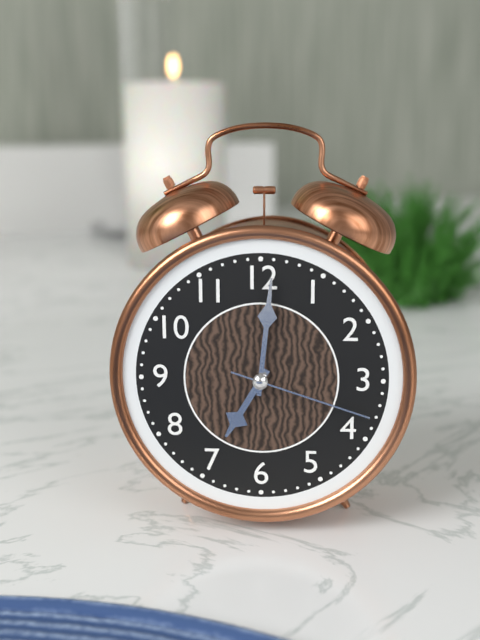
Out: {"hour": 7, "minute": 1, "second": 18}
